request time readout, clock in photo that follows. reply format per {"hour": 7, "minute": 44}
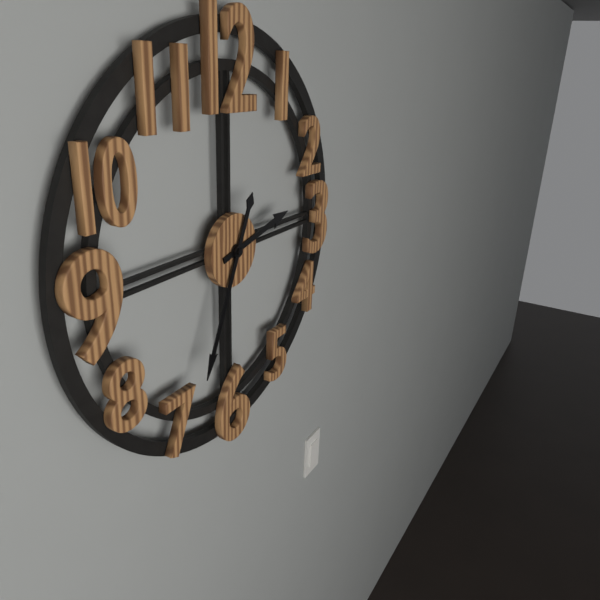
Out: {"hour": 2, "minute": 34}
